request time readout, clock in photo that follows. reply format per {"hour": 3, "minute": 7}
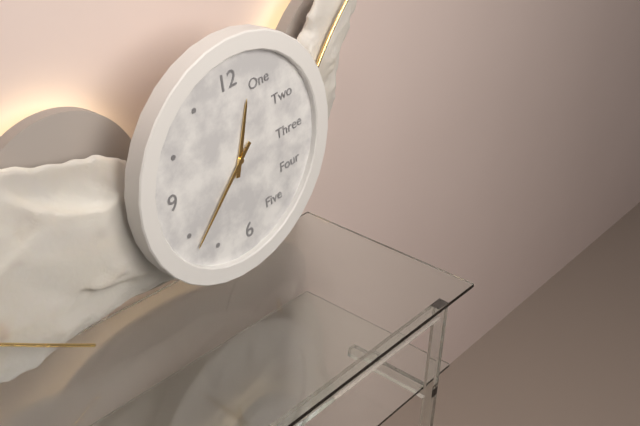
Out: {"hour": 12, "minute": 38}
